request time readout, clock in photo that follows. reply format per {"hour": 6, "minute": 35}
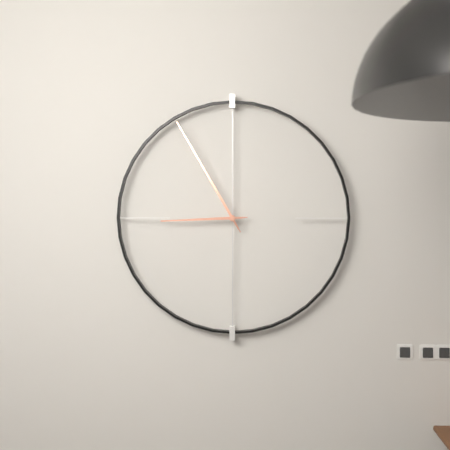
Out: {"hour": 8, "minute": 55}
